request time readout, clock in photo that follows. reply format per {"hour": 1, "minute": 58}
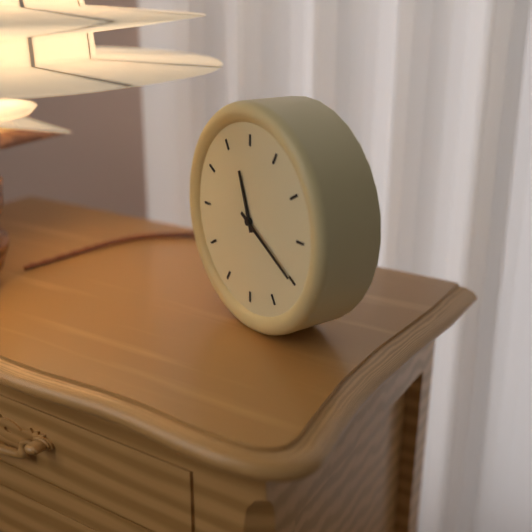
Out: {"hour": 11, "minute": 20}
